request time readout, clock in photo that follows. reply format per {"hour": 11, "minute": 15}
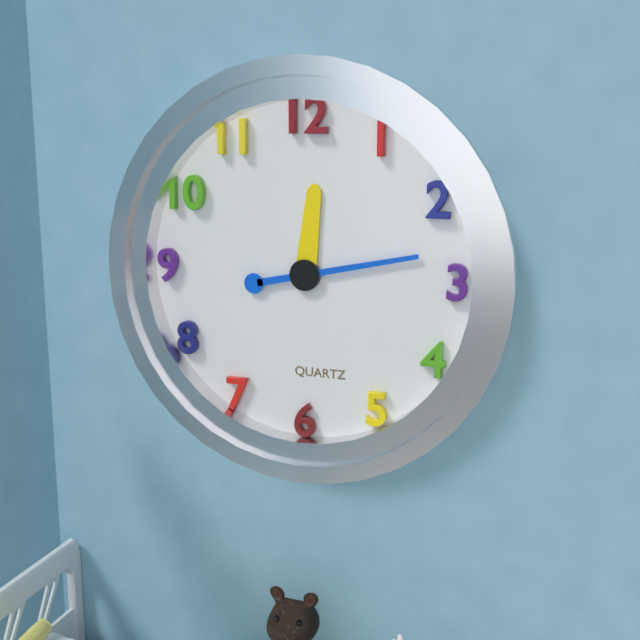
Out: {"hour": 12, "minute": 13}
